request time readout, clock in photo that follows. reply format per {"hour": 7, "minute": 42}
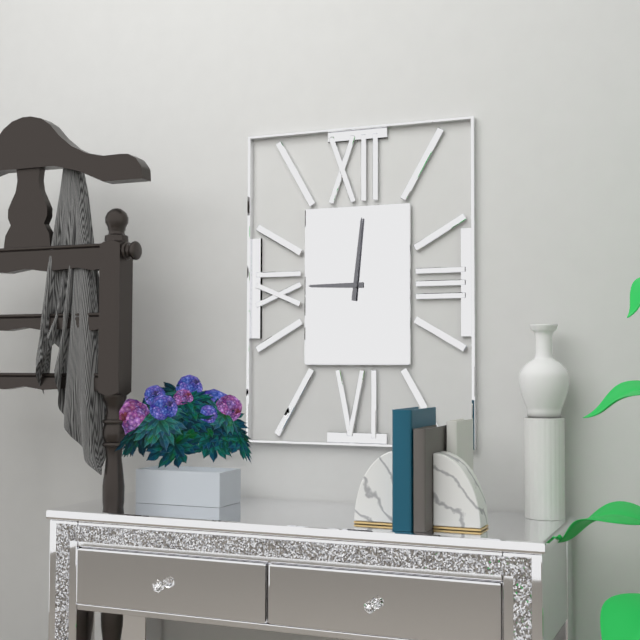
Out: {"hour": 9, "minute": 1}
